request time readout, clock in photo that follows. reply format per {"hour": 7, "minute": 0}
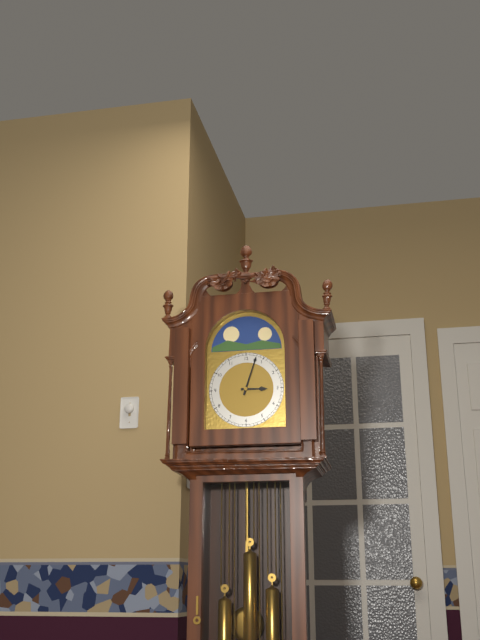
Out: {"hour": 3, "minute": 3}
